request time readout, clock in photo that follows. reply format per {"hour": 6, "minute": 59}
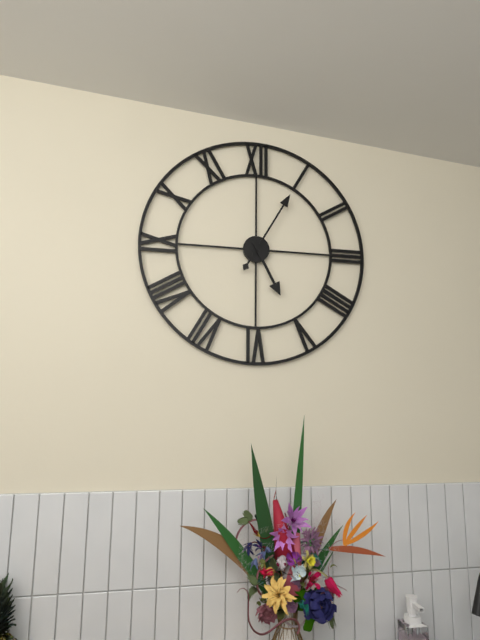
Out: {"hour": 5, "minute": 5}
